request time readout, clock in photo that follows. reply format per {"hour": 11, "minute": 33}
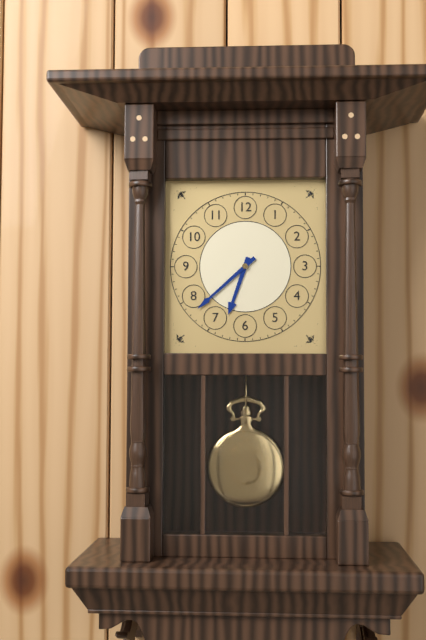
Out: {"hour": 6, "minute": 38}
